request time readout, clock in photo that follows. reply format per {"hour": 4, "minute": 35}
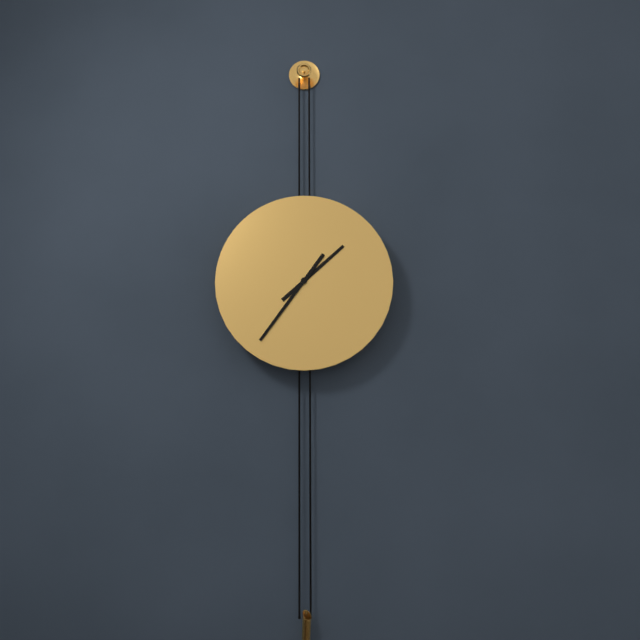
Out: {"hour": 1, "minute": 36}
